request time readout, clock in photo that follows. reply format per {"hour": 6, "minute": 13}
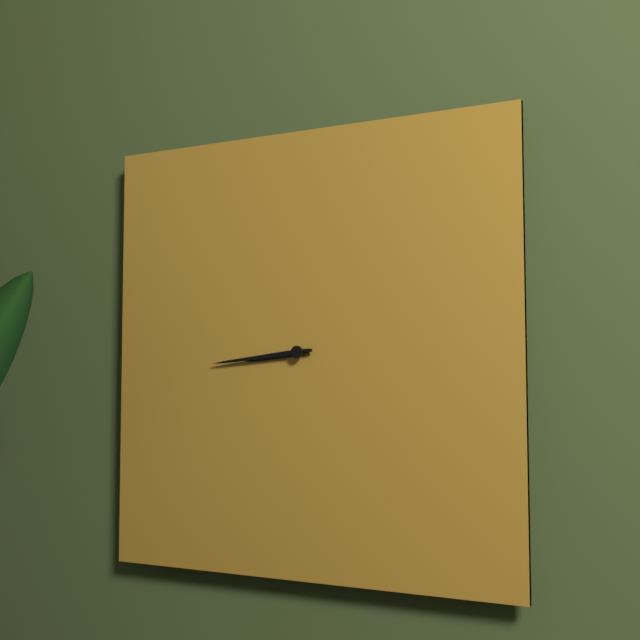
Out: {"hour": 8, "minute": 44}
